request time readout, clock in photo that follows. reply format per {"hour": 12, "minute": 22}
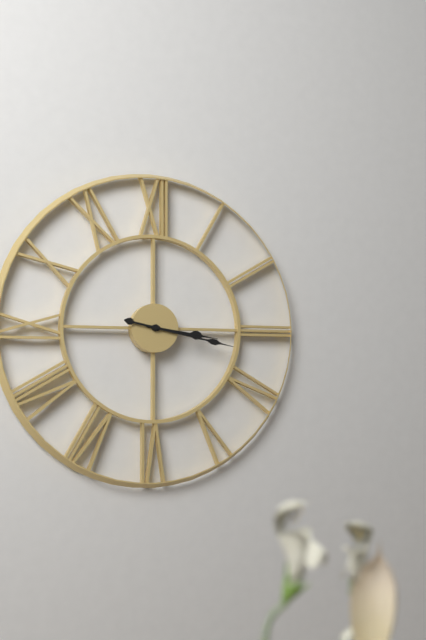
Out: {"hour": 3, "minute": 17}
